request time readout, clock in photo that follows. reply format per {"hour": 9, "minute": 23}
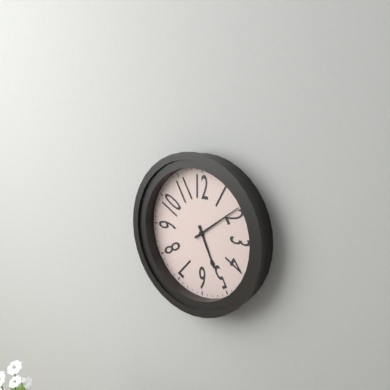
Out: {"hour": 5, "minute": 9}
